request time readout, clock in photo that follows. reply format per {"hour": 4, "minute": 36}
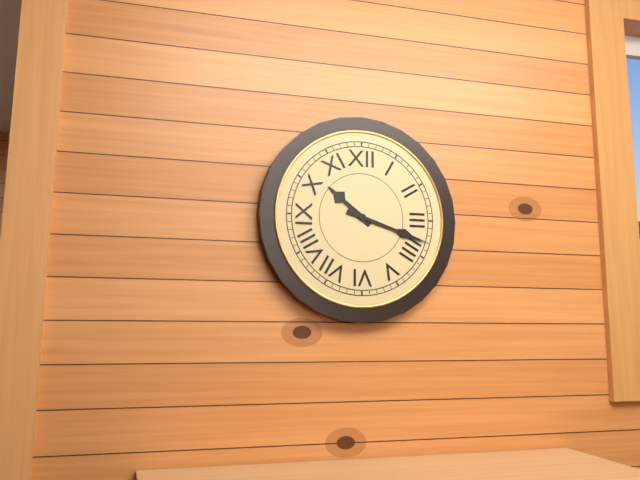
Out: {"hour": 10, "minute": 18}
